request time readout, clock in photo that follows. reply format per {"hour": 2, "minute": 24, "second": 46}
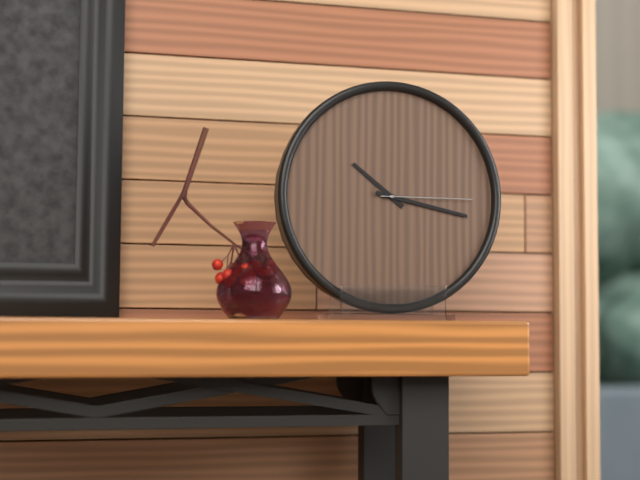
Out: {"hour": 10, "minute": 17, "second": 15}
